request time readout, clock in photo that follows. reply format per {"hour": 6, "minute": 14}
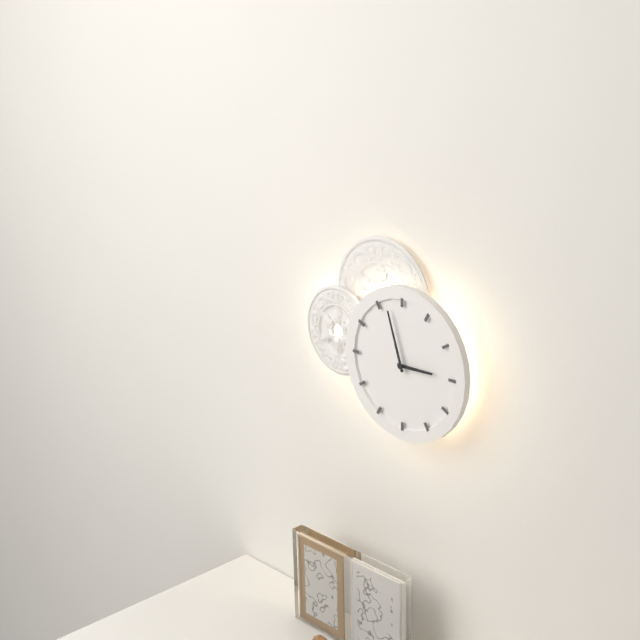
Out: {"hour": 2, "minute": 57}
